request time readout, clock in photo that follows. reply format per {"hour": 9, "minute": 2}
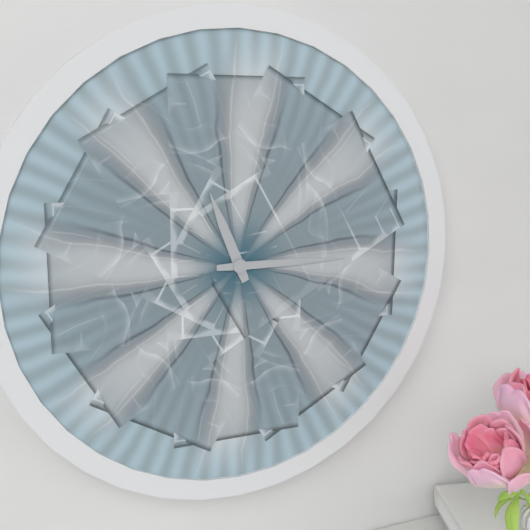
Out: {"hour": 11, "minute": 15}
